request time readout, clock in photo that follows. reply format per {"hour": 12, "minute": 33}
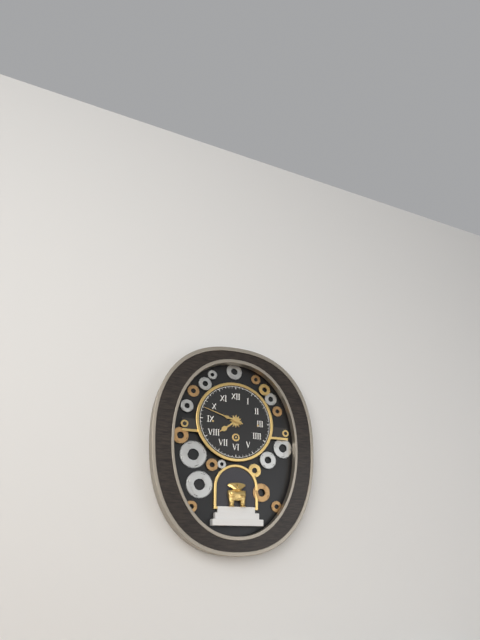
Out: {"hour": 7, "minute": 48}
